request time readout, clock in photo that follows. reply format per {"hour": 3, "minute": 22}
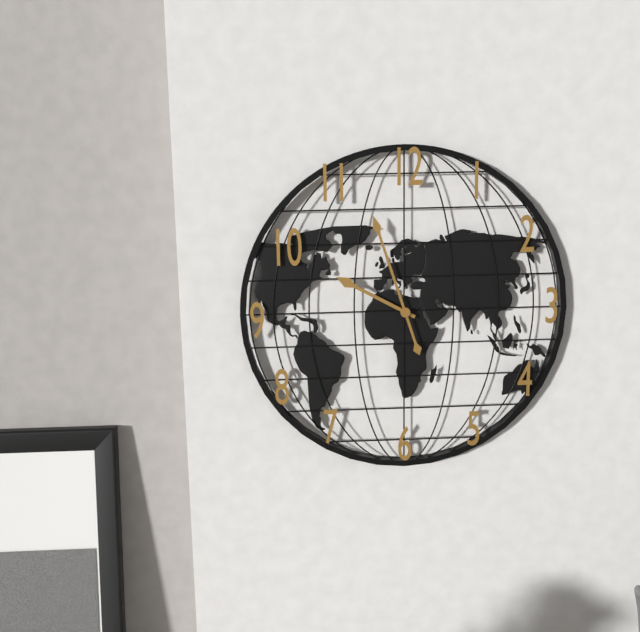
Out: {"hour": 9, "minute": 57}
